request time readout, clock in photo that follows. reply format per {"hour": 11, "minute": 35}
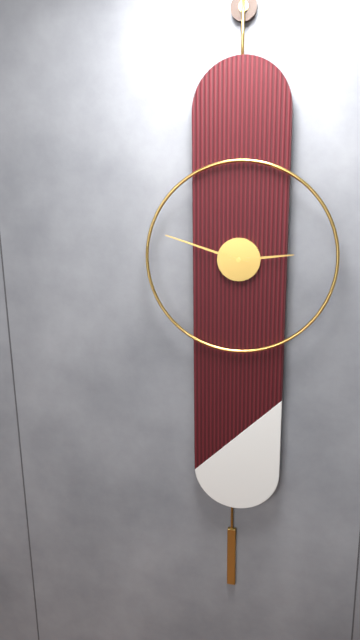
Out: {"hour": 2, "minute": 48}
